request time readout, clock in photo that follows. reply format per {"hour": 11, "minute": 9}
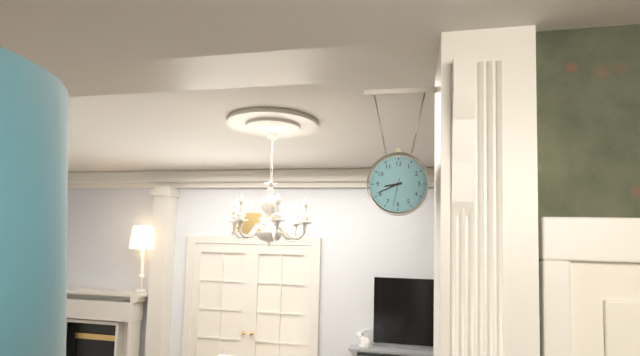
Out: {"hour": 8, "minute": 41}
